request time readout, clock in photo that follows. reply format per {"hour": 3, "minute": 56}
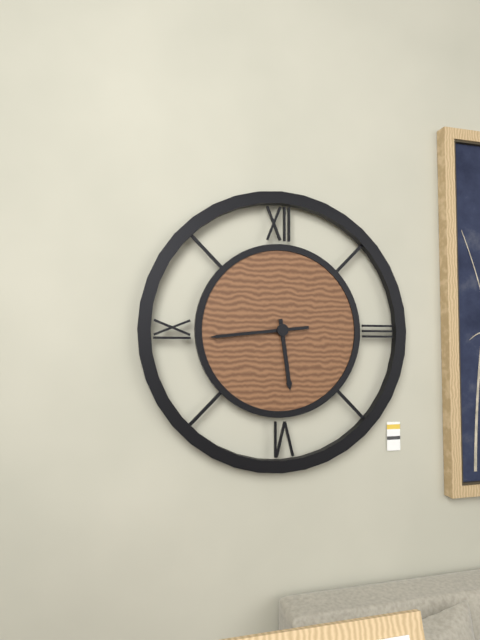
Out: {"hour": 5, "minute": 44}
